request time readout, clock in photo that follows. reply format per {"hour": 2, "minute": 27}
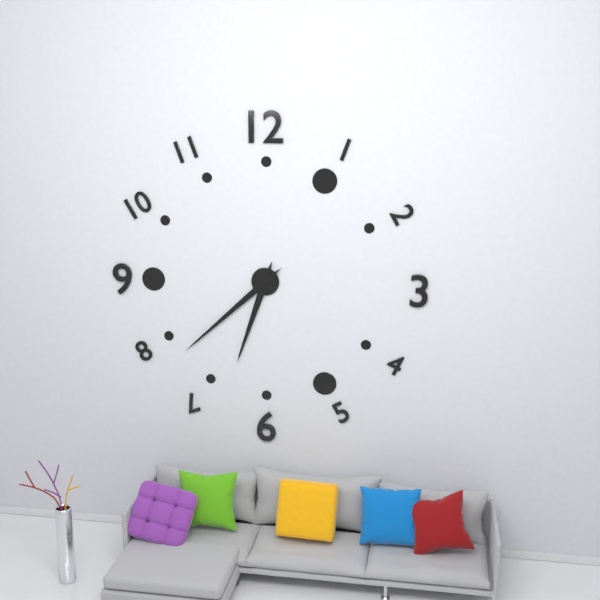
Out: {"hour": 6, "minute": 38}
